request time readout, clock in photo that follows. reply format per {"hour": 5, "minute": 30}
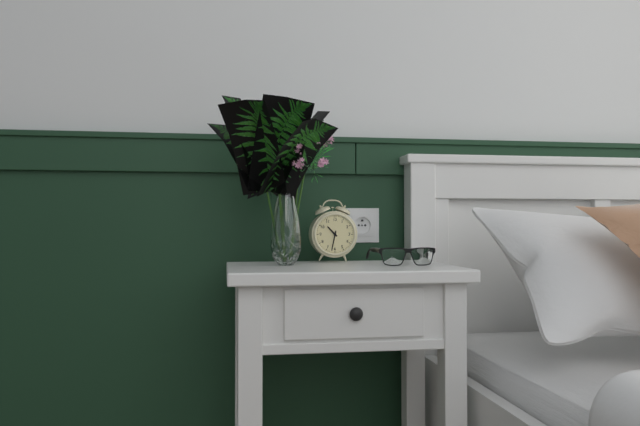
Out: {"hour": 10, "minute": 32}
